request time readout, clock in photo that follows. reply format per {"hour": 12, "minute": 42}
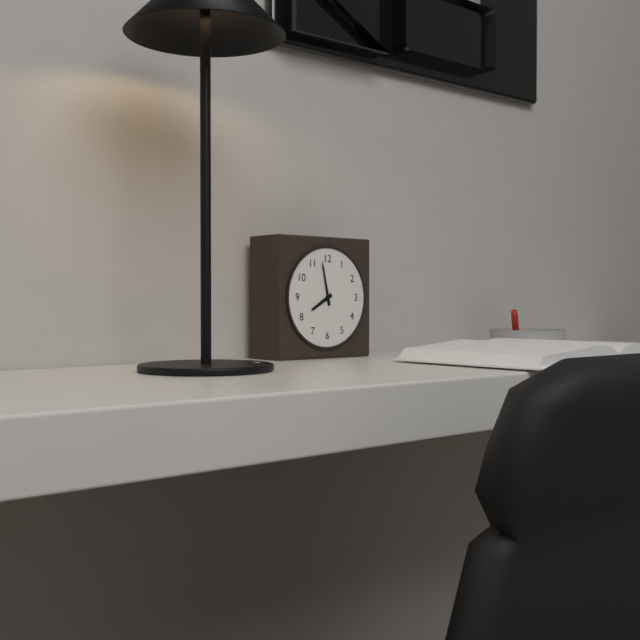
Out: {"hour": 7, "minute": 58}
